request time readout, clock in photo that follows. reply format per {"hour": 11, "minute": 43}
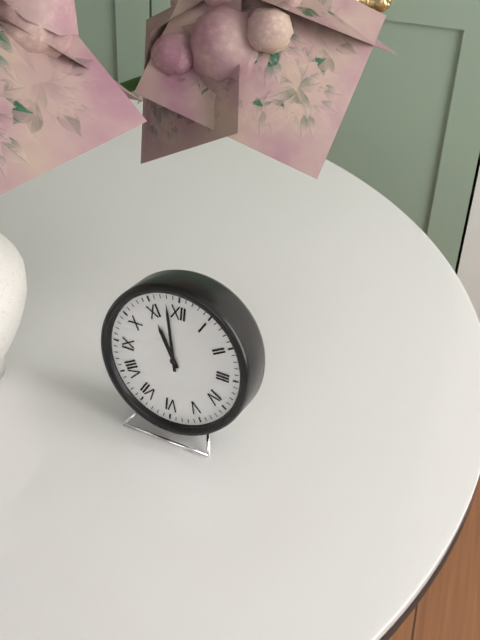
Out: {"hour": 10, "minute": 58}
